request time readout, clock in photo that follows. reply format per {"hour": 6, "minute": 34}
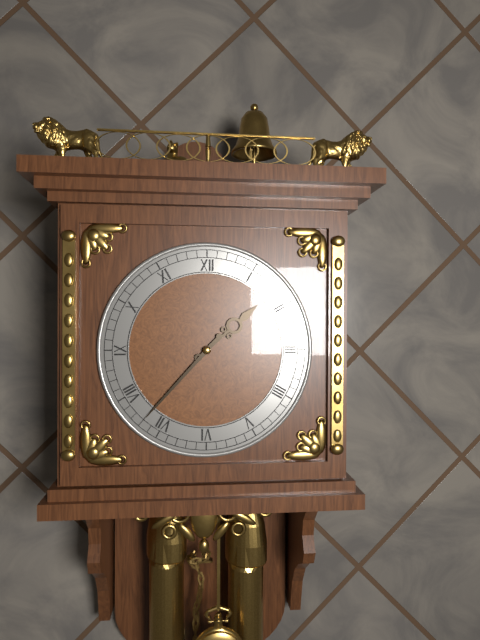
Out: {"hour": 1, "minute": 37}
